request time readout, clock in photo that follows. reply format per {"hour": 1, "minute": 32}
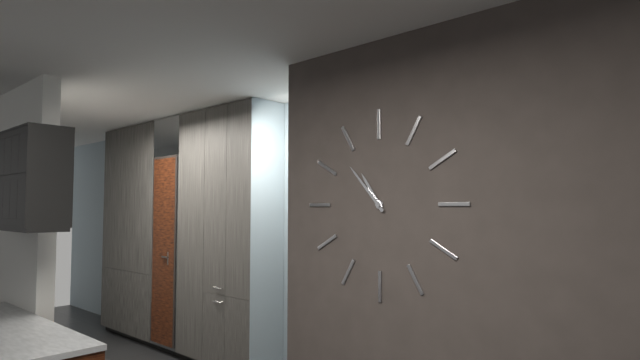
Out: {"hour": 10, "minute": 53}
